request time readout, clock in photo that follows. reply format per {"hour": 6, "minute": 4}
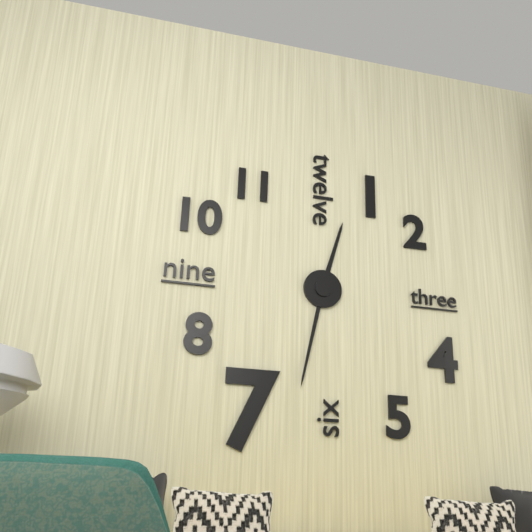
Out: {"hour": 12, "minute": 32}
